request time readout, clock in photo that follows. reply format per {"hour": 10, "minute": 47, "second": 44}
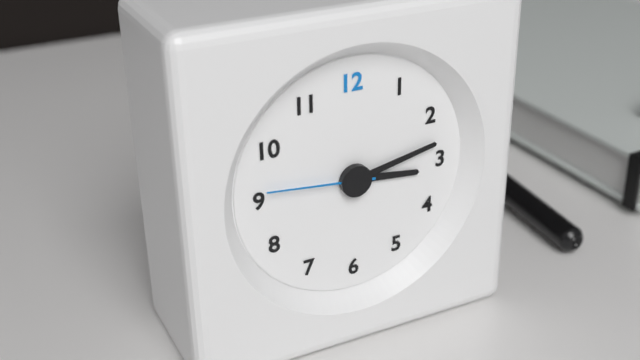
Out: {"hour": 3, "minute": 13, "second": 46}
